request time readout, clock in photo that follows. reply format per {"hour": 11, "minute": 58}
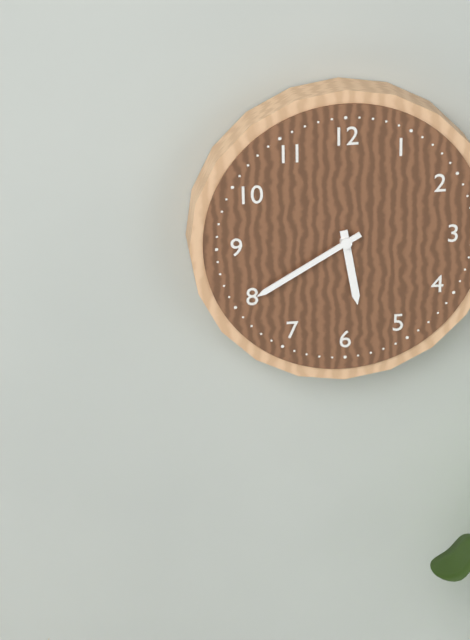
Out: {"hour": 5, "minute": 40}
